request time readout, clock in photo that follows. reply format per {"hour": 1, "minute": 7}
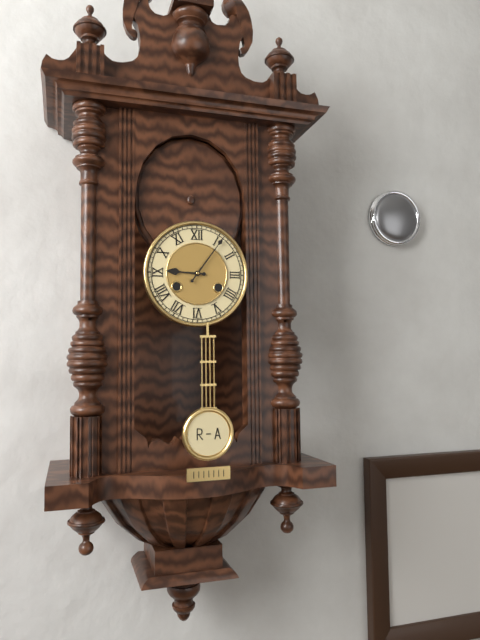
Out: {"hour": 9, "minute": 6}
